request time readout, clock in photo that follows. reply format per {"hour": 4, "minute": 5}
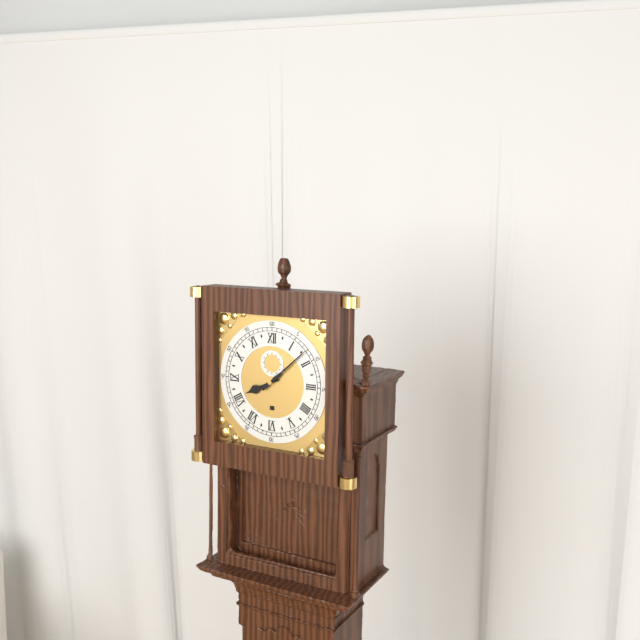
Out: {"hour": 8, "minute": 8}
